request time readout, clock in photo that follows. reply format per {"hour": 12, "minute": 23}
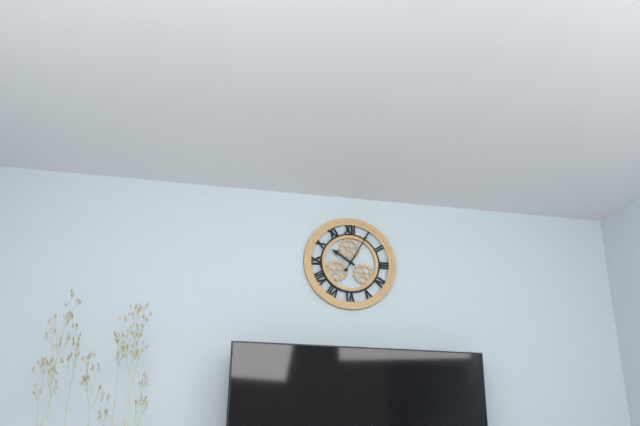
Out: {"hour": 10, "minute": 5}
